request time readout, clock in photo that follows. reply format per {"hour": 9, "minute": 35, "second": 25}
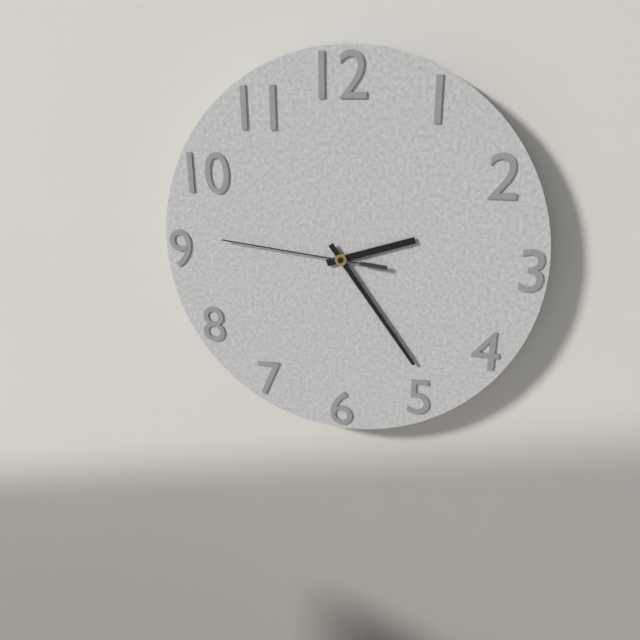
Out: {"hour": 2, "minute": 24, "second": 46}
